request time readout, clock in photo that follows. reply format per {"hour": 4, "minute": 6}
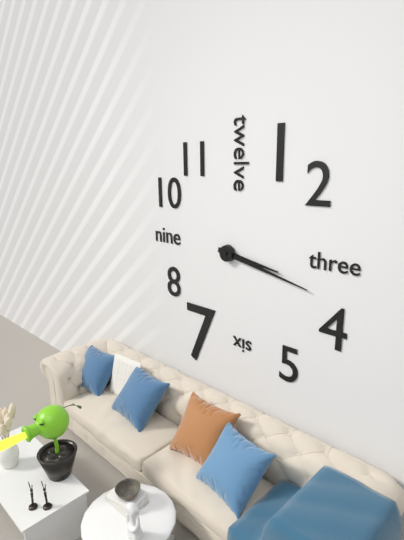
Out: {"hour": 3, "minute": 17}
